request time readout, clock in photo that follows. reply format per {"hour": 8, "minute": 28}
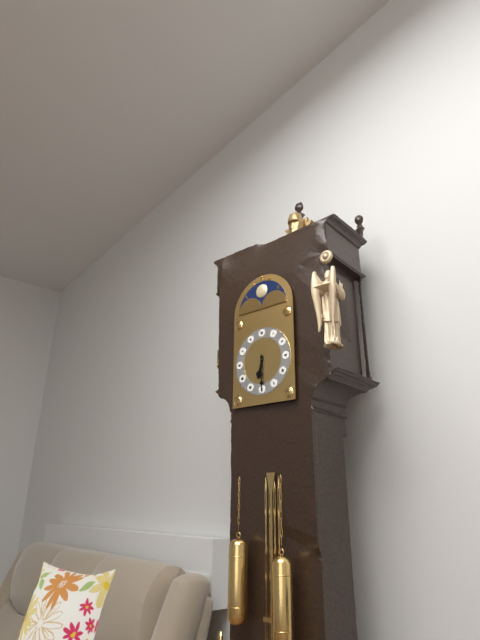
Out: {"hour": 6, "minute": 30}
